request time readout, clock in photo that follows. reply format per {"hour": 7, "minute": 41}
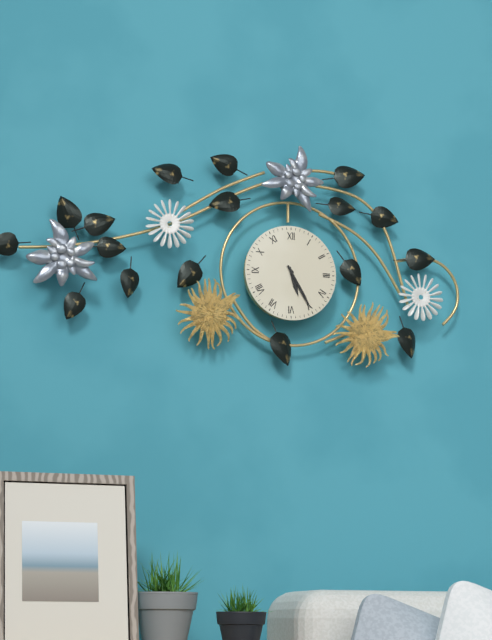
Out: {"hour": 5, "minute": 25}
